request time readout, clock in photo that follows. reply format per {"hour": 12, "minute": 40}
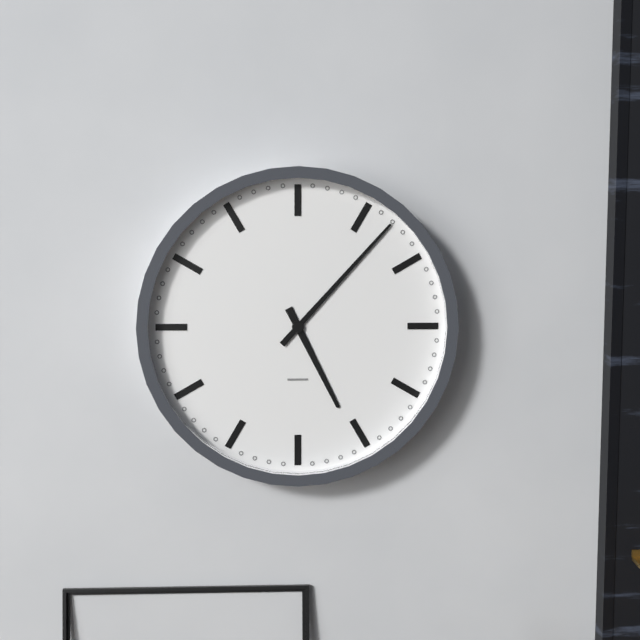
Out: {"hour": 5, "minute": 7}
